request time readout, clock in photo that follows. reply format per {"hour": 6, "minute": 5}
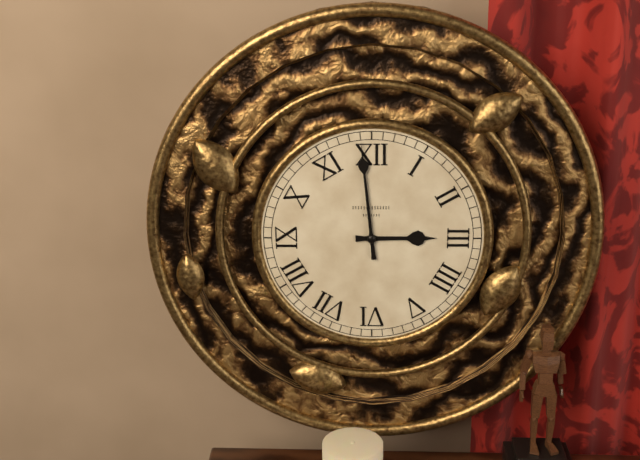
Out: {"hour": 2, "minute": 59}
